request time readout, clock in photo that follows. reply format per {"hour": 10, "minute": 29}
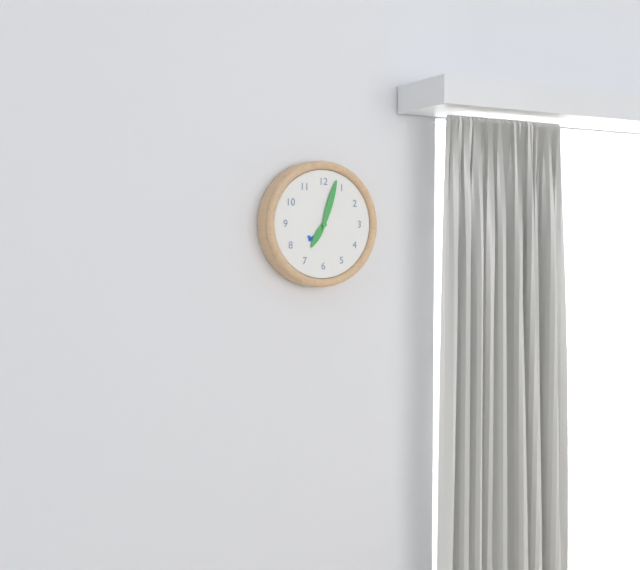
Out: {"hour": 7, "minute": 3}
